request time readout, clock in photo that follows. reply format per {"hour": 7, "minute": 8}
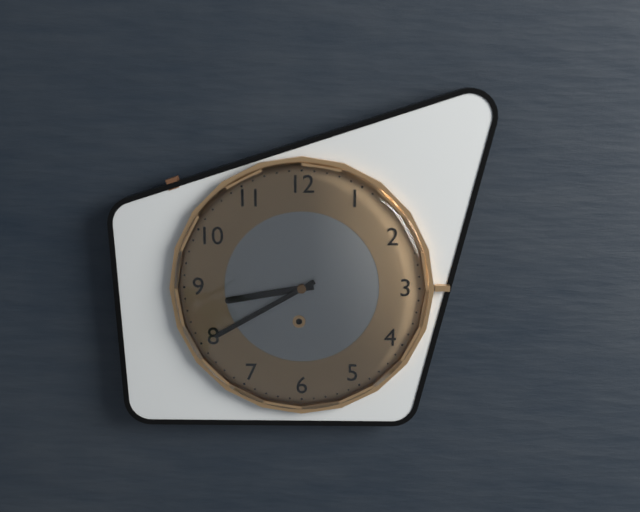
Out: {"hour": 8, "minute": 40}
